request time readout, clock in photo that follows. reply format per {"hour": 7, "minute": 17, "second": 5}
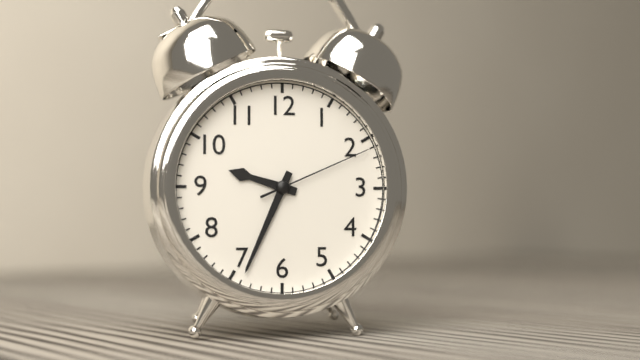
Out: {"hour": 9, "minute": 34, "second": 11}
